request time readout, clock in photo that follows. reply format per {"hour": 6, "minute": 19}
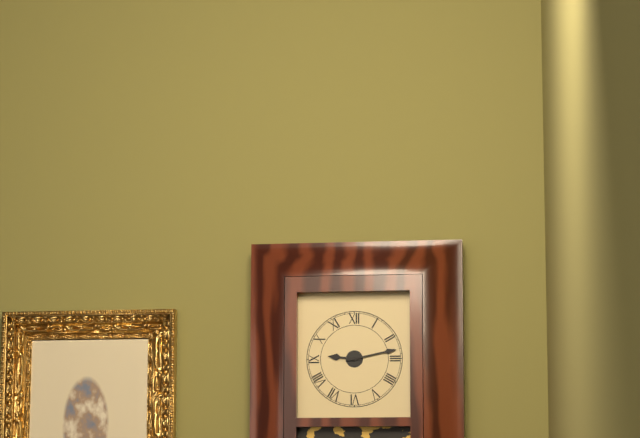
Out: {"hour": 9, "minute": 13}
